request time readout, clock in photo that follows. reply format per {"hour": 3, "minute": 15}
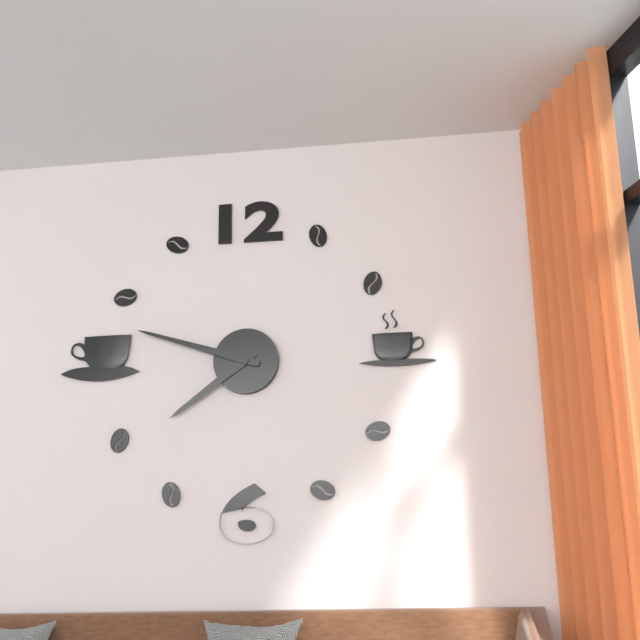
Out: {"hour": 7, "minute": 48}
